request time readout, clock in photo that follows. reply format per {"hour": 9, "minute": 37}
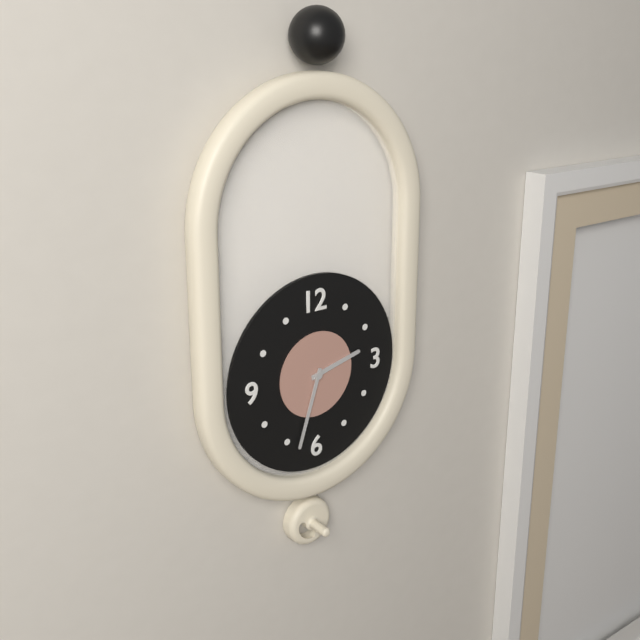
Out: {"hour": 2, "minute": 33}
